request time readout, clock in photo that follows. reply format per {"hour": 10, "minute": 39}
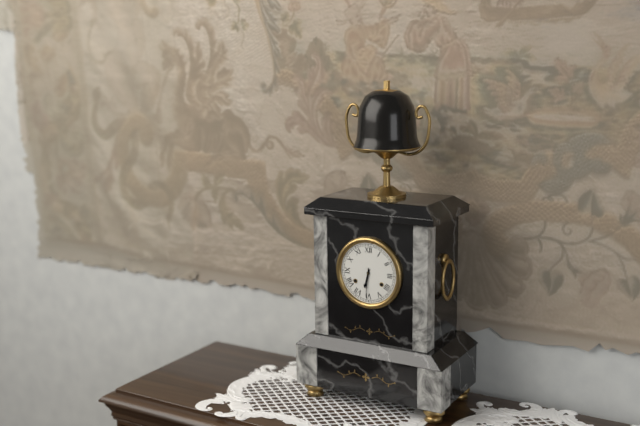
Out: {"hour": 6, "minute": 31}
